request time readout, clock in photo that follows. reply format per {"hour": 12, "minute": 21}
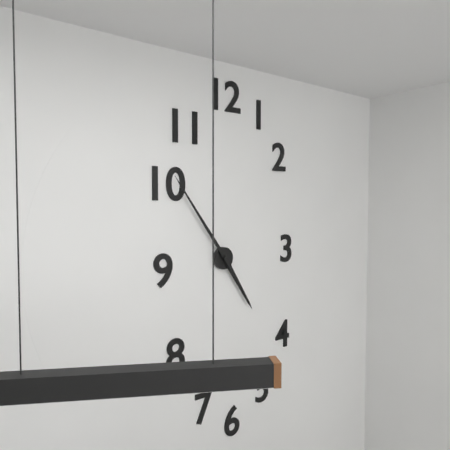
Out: {"hour": 4, "minute": 54}
